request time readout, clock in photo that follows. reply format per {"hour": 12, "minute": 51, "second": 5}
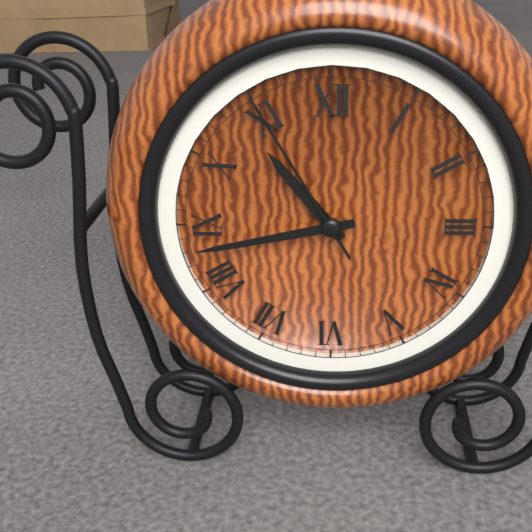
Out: {"hour": 10, "minute": 43, "second": 55}
